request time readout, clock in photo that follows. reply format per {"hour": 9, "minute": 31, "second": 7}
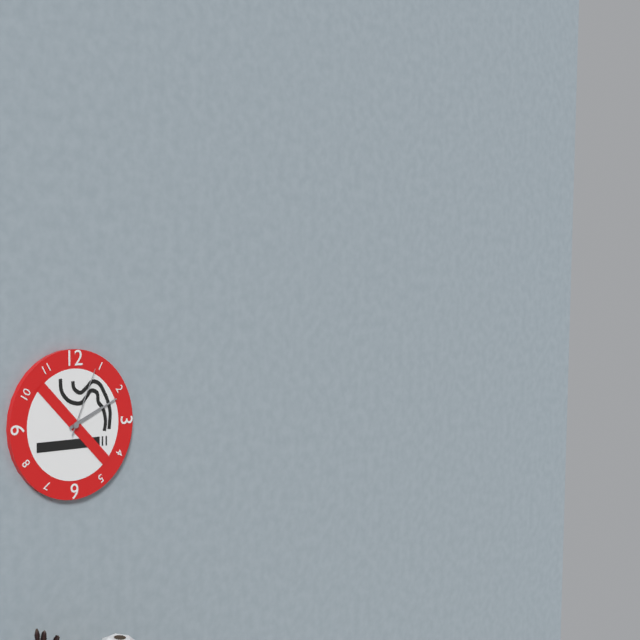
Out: {"hour": 2, "minute": 11, "second": 4}
